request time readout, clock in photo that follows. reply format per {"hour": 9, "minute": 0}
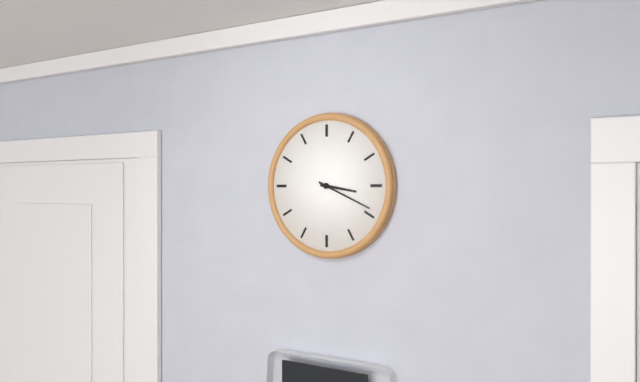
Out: {"hour": 3, "minute": 19}
